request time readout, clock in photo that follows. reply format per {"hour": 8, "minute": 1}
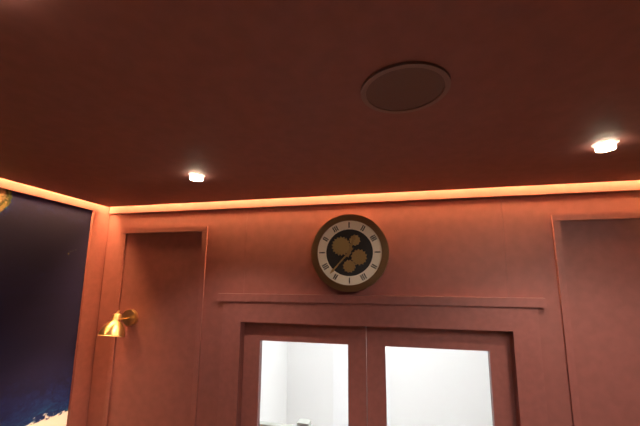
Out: {"hour": 12, "minute": 37}
